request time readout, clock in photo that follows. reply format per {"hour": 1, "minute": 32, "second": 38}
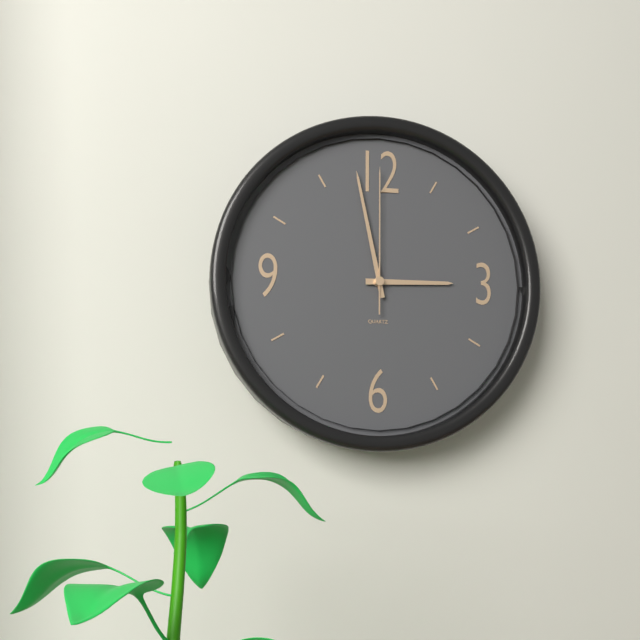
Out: {"hour": 2, "minute": 58, "second": 0}
